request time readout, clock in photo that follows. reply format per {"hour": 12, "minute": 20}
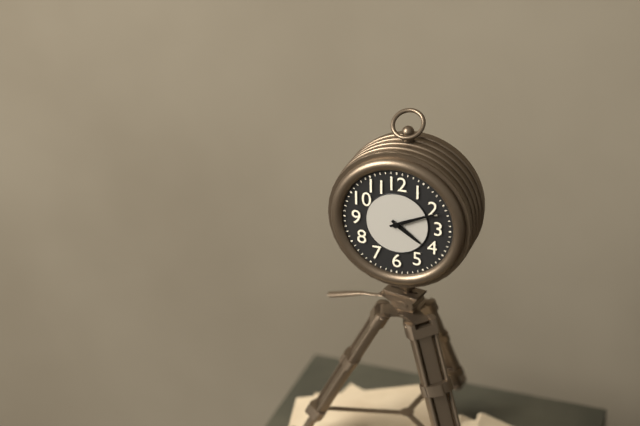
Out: {"hour": 4, "minute": 11}
